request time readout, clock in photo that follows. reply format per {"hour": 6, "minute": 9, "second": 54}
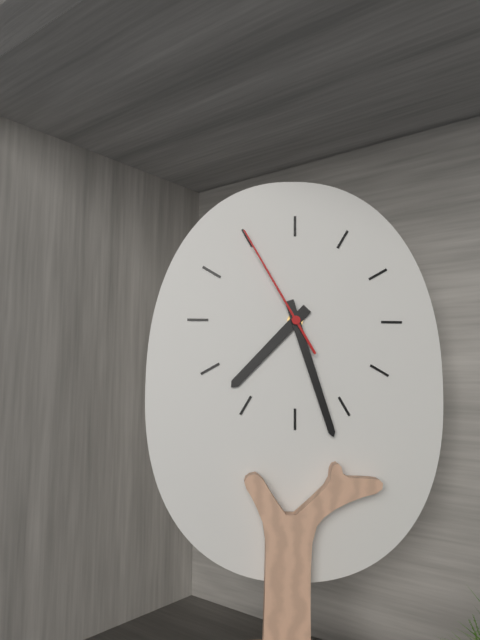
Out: {"hour": 7, "minute": 27, "second": 55}
